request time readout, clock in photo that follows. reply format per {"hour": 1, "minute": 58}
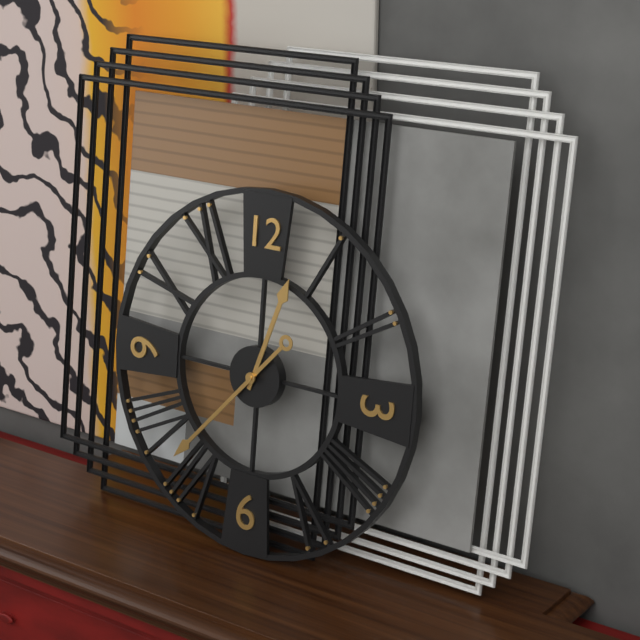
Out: {"hour": 12, "minute": 37}
